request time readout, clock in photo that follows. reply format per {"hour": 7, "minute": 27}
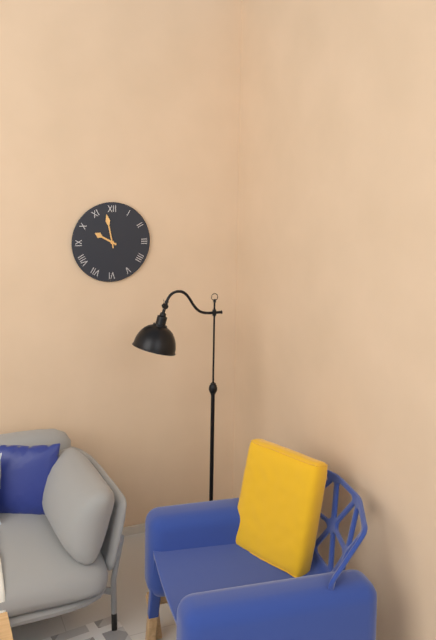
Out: {"hour": 9, "minute": 58}
